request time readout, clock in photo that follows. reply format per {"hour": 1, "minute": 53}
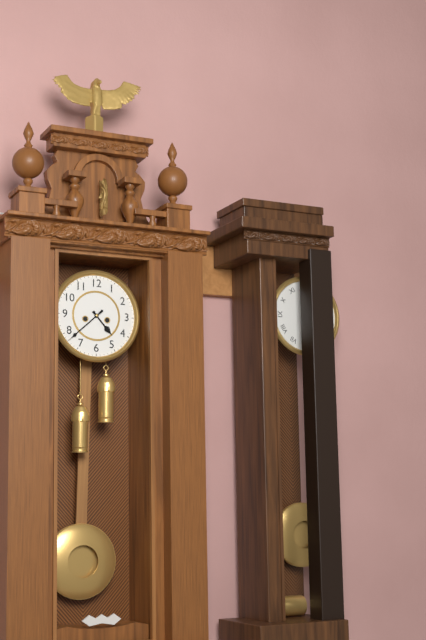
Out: {"hour": 4, "minute": 38}
